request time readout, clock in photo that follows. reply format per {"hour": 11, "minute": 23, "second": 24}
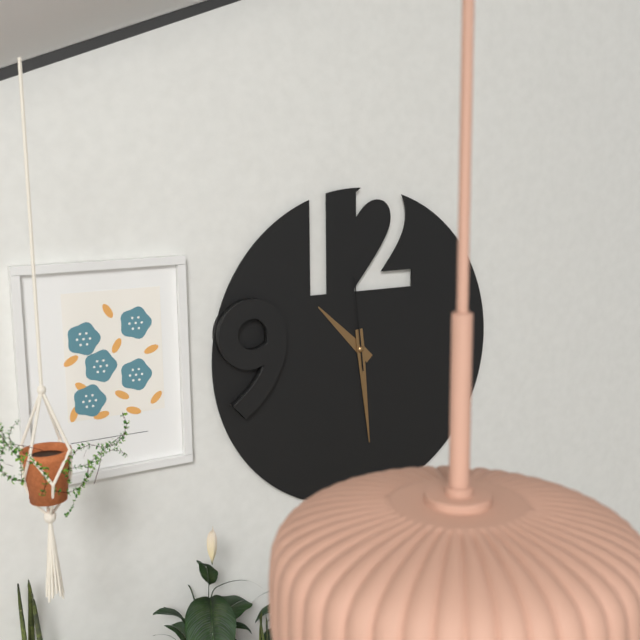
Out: {"hour": 10, "minute": 29, "second": 59}
